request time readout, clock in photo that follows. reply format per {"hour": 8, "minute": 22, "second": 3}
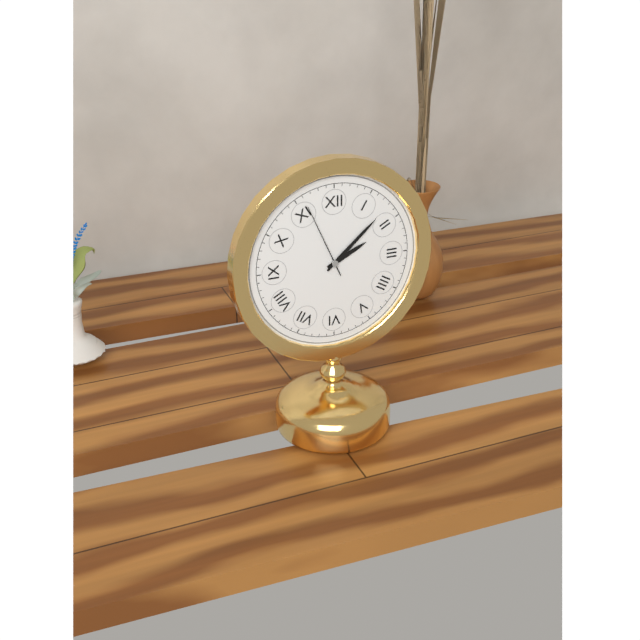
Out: {"hour": 2, "minute": 8, "second": 56}
